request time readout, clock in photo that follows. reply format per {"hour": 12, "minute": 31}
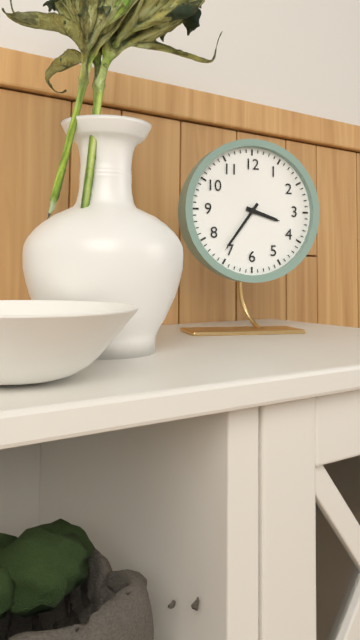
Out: {"hour": 3, "minute": 36}
